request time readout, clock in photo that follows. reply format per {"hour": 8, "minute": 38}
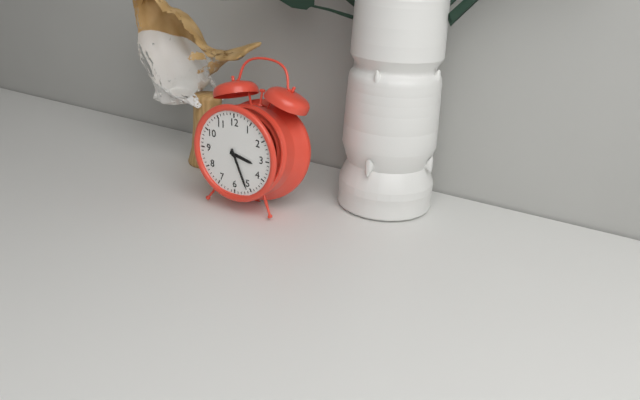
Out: {"hour": 3, "minute": 26}
